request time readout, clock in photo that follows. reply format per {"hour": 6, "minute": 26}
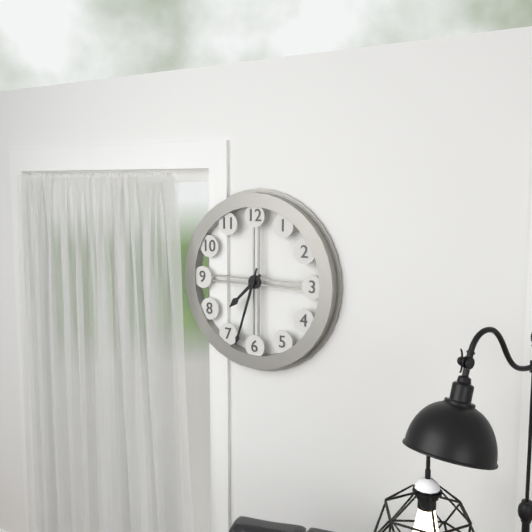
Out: {"hour": 7, "minute": 33}
